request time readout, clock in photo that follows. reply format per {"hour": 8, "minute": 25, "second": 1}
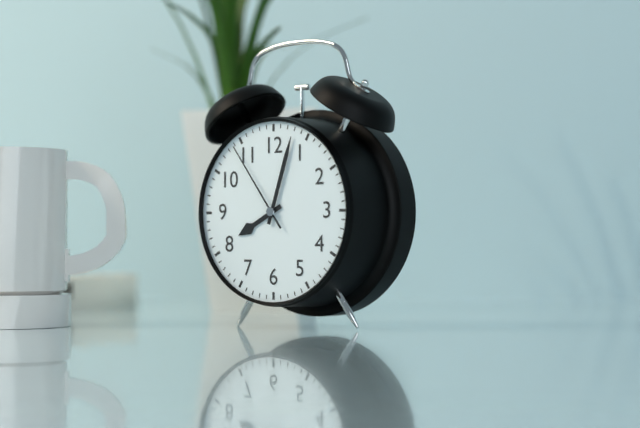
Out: {"hour": 8, "minute": 3, "second": 54}
